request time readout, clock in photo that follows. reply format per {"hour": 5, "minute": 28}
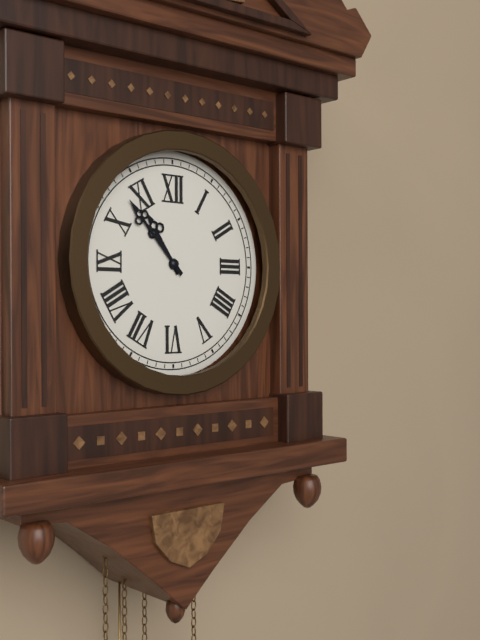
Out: {"hour": 10, "minute": 53}
